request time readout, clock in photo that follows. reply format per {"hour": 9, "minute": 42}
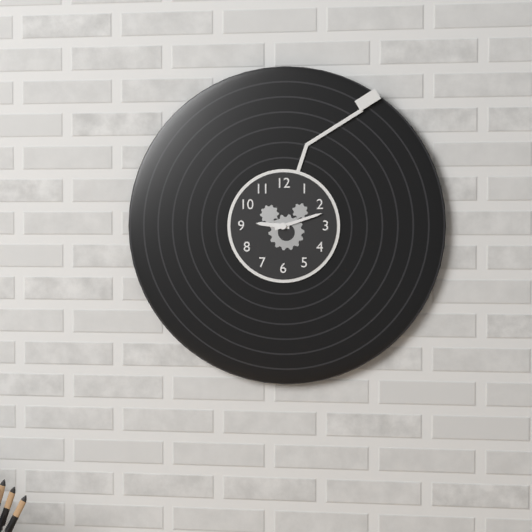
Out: {"hour": 9, "minute": 12}
